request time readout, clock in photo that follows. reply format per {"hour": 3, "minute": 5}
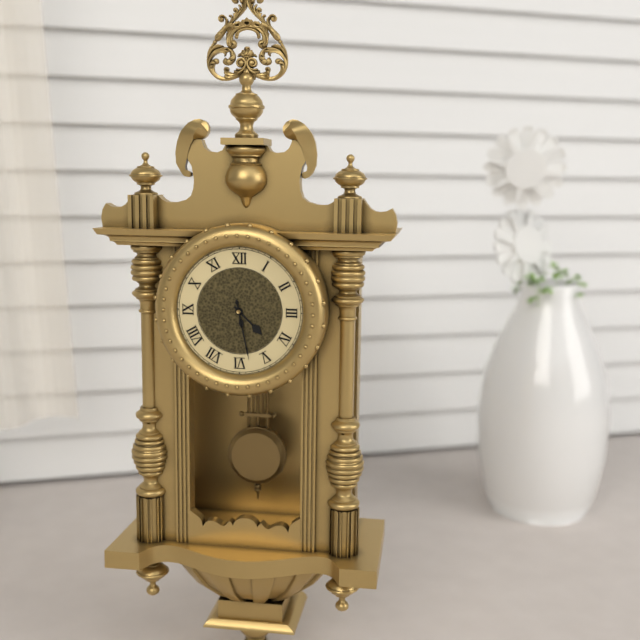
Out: {"hour": 4, "minute": 28}
